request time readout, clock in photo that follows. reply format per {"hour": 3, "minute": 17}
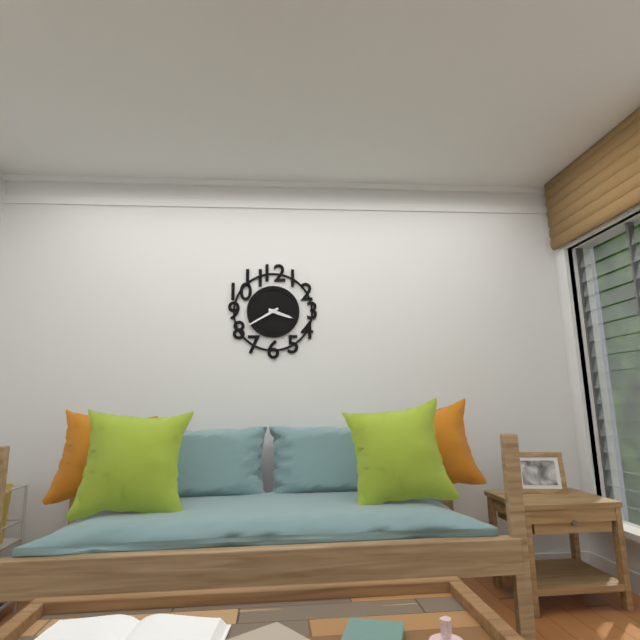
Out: {"hour": 3, "minute": 40}
